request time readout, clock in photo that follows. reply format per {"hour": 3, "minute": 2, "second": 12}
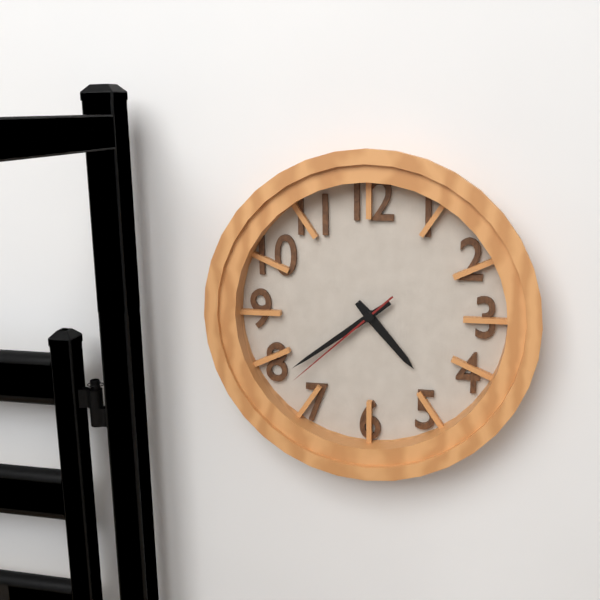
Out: {"hour": 4, "minute": 39, "second": 38}
